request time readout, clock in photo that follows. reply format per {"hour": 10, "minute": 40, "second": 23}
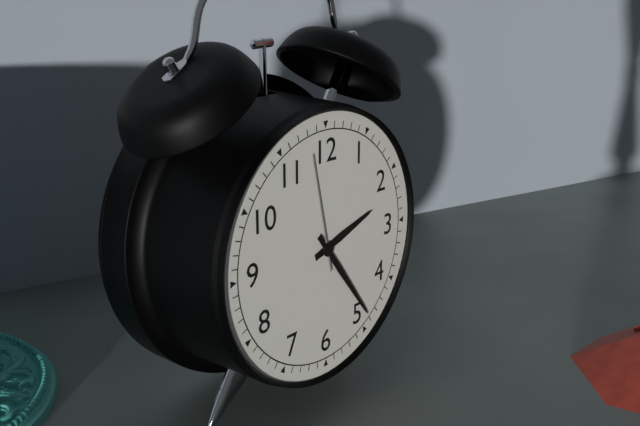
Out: {"hour": 2, "minute": 24, "second": 58}
